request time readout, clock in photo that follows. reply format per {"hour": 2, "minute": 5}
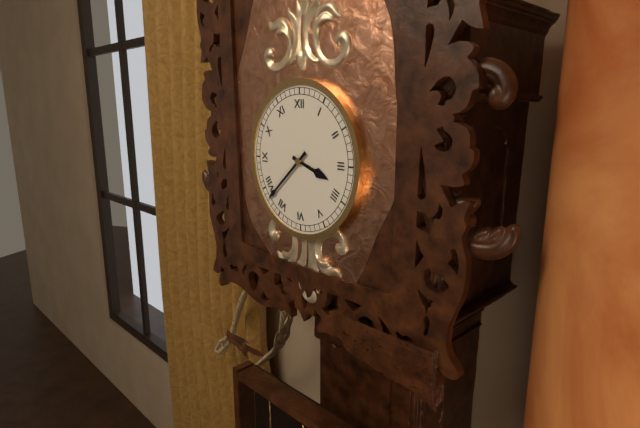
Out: {"hour": 3, "minute": 38}
